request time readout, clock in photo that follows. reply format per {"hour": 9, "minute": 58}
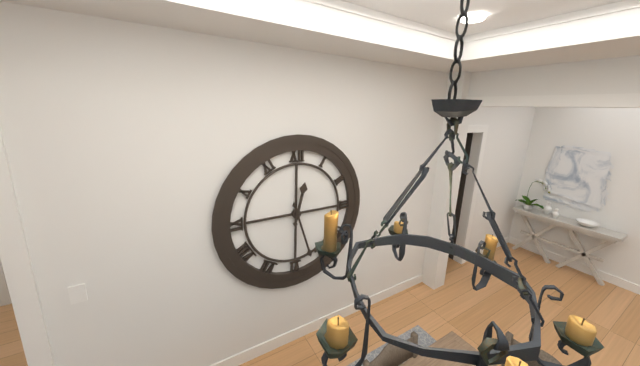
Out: {"hour": 12, "minute": 27}
